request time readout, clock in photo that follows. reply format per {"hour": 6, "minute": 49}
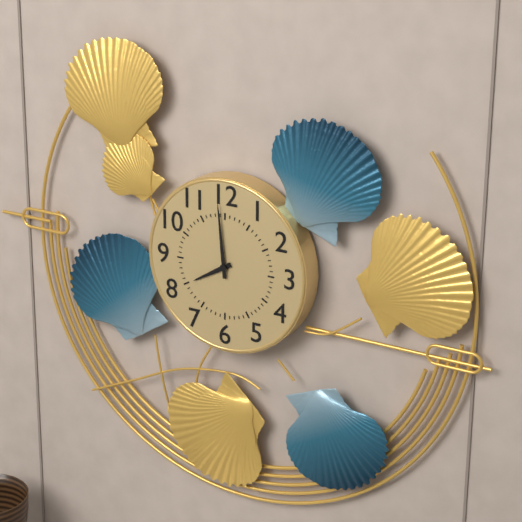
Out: {"hour": 7, "minute": 59}
